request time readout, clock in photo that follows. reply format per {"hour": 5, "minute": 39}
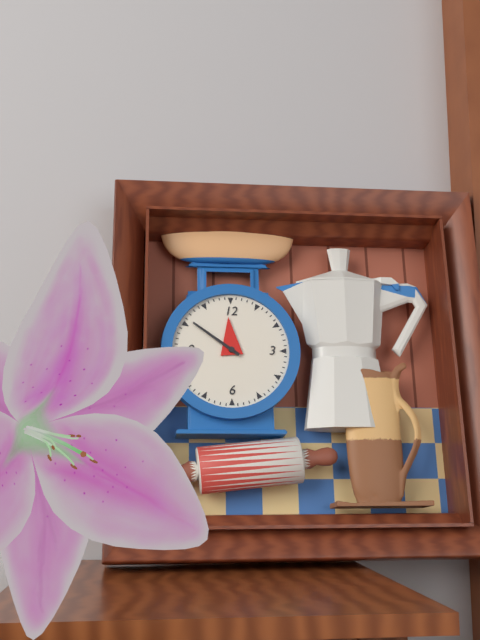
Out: {"hour": 11, "minute": 51}
